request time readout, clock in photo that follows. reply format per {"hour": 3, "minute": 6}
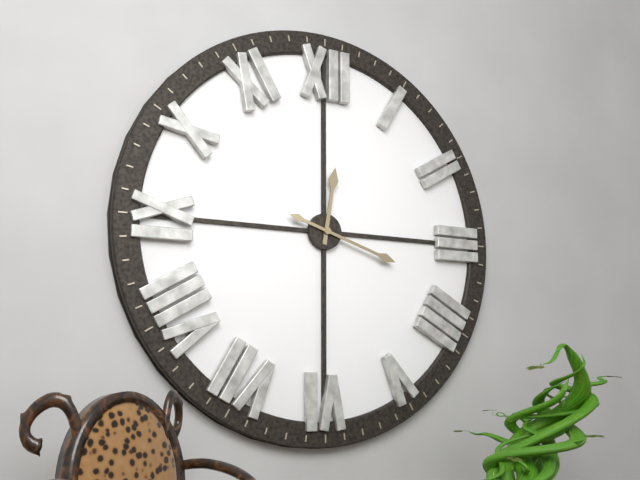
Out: {"hour": 12, "minute": 18}
